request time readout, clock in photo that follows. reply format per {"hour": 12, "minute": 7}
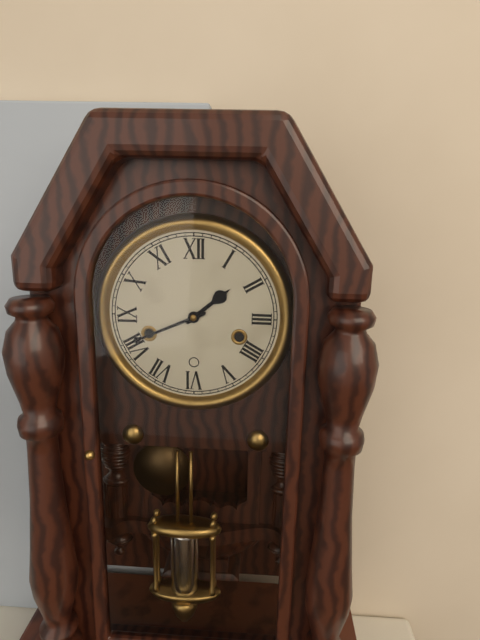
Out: {"hour": 1, "minute": 41}
